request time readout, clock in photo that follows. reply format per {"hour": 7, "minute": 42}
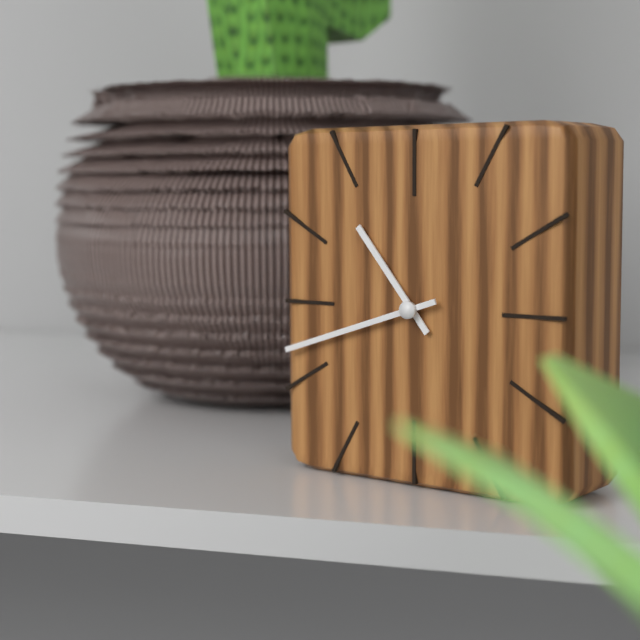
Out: {"hour": 10, "minute": 42}
